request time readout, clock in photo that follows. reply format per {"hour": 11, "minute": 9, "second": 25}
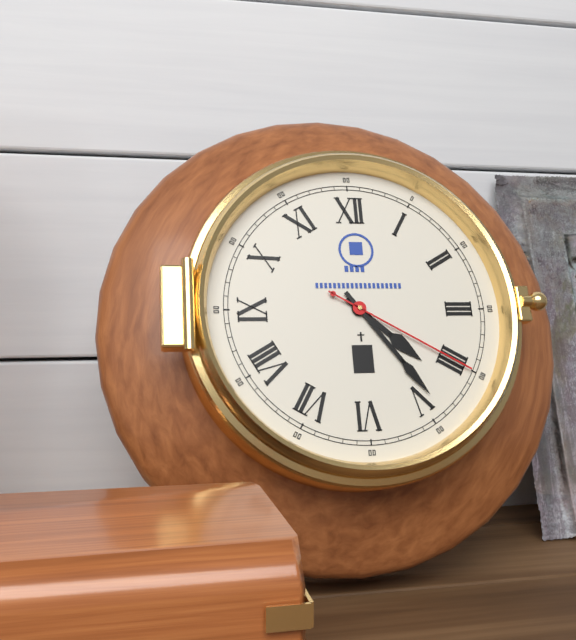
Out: {"hour": 4, "minute": 24, "second": 20}
